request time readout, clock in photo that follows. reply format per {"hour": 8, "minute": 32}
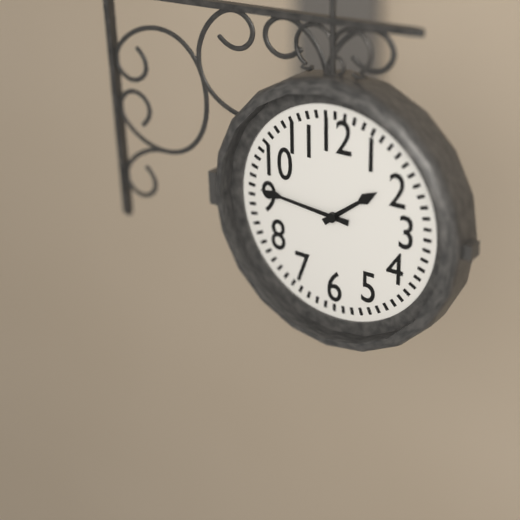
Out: {"hour": 1, "minute": 46}
